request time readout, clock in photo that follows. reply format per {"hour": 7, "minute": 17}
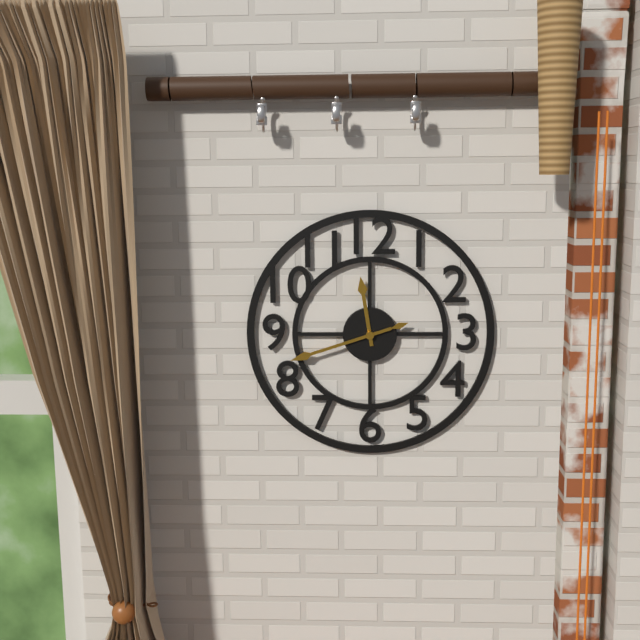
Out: {"hour": 11, "minute": 42}
